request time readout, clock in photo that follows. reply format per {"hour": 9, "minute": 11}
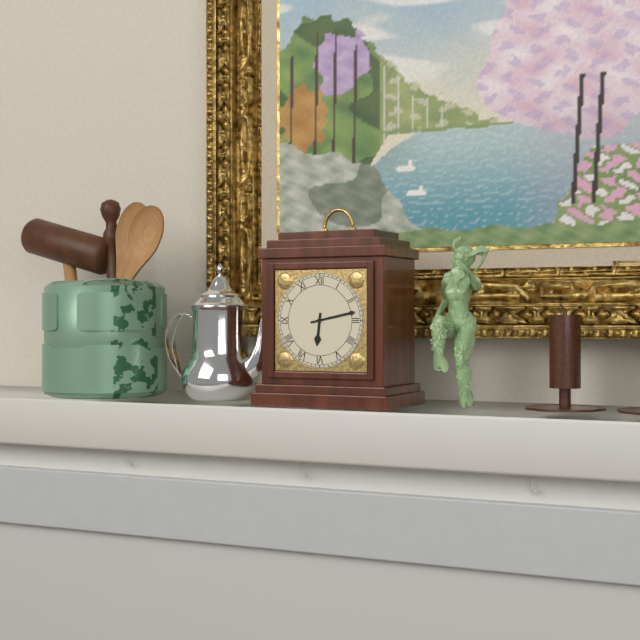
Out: {"hour": 6, "minute": 13}
